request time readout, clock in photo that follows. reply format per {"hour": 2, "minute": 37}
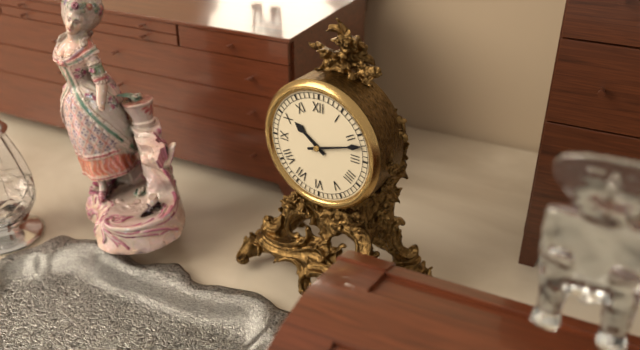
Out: {"hour": 10, "minute": 12}
